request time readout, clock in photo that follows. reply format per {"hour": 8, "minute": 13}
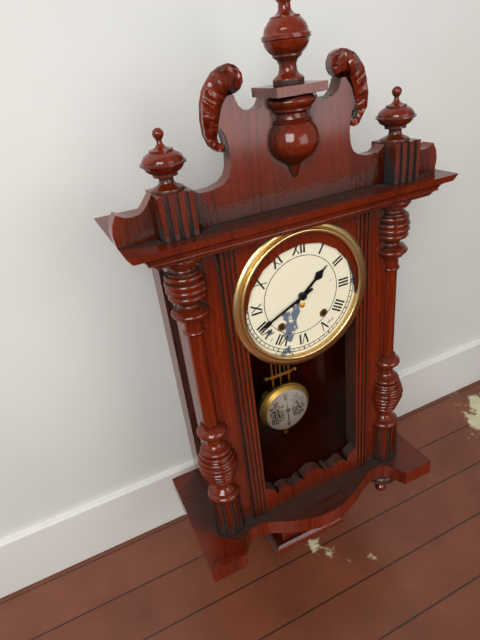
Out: {"hour": 1, "minute": 41}
